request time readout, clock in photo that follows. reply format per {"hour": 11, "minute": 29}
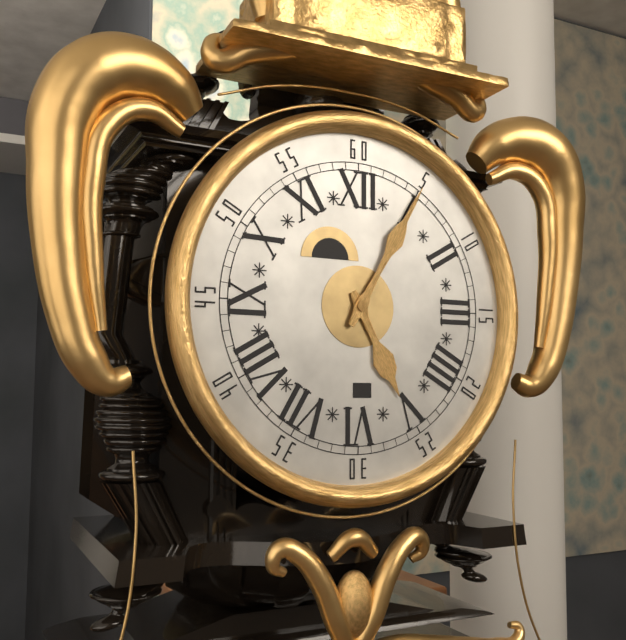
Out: {"hour": 5, "minute": 5}
